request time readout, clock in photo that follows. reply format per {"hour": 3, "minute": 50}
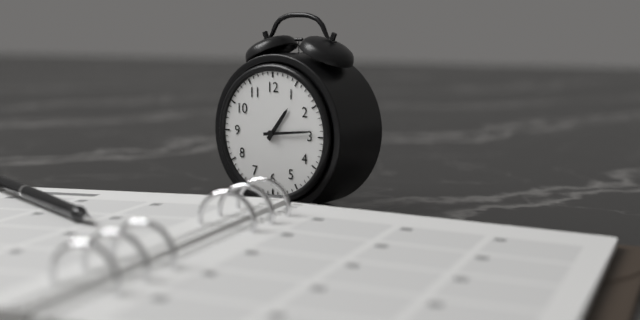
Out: {"hour": 1, "minute": 14}
